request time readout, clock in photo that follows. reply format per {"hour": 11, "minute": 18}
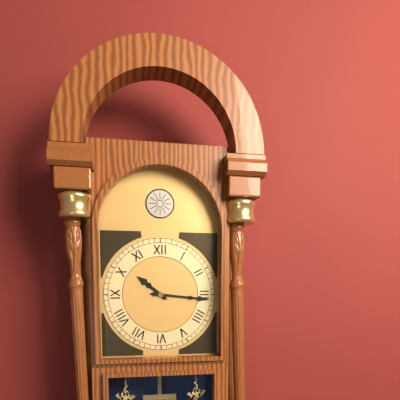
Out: {"hour": 10, "minute": 16}
